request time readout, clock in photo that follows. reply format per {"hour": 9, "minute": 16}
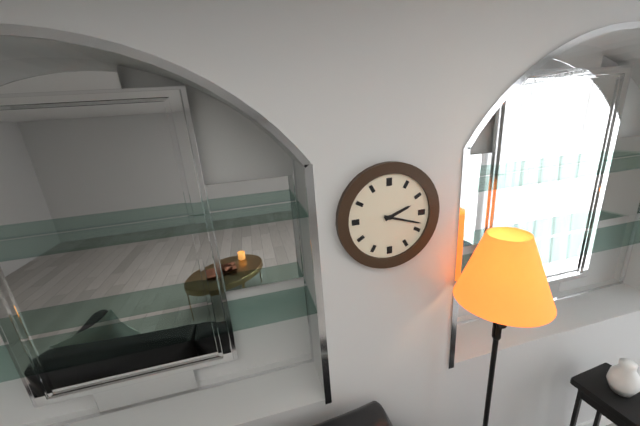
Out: {"hour": 2, "minute": 18}
